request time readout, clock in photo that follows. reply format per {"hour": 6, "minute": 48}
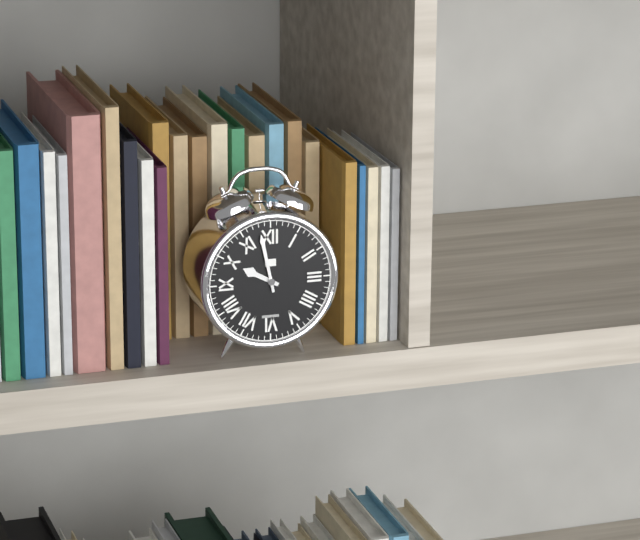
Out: {"hour": 9, "minute": 58}
